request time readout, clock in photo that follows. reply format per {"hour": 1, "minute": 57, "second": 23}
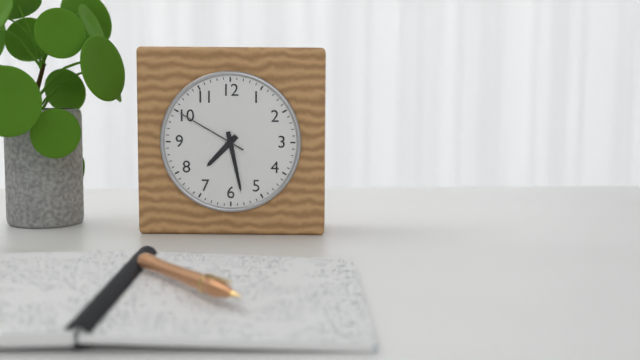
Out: {"hour": 7, "minute": 28, "second": 50}
